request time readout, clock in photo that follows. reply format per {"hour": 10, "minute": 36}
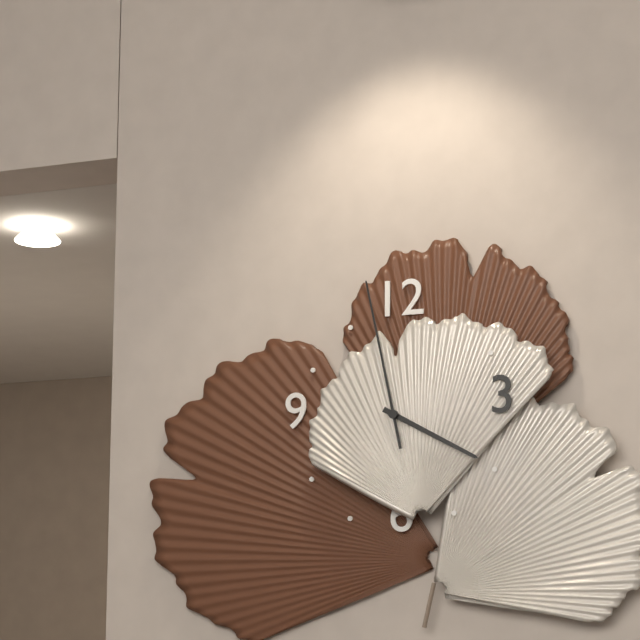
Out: {"hour": 3, "minute": 58}
